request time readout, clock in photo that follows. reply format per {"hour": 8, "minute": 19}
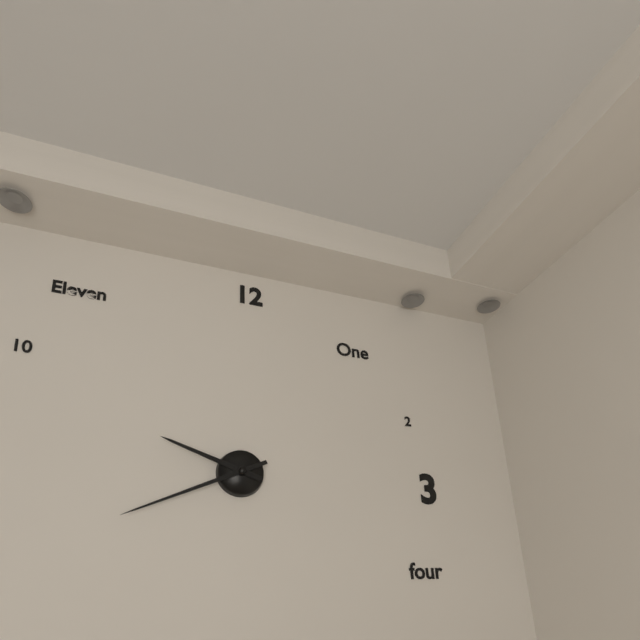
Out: {"hour": 9, "minute": 41}
